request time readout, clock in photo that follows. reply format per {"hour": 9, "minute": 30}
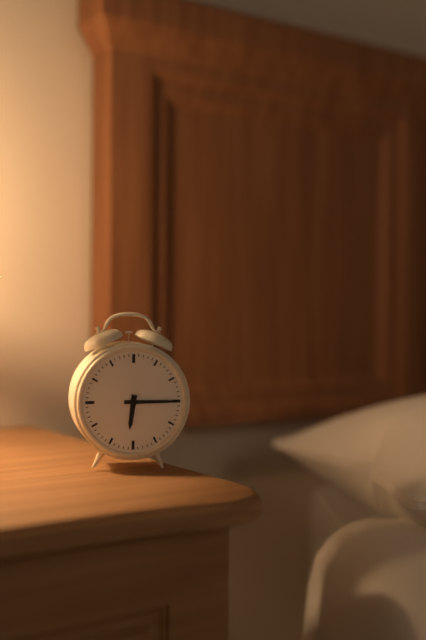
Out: {"hour": 6, "minute": 15}
